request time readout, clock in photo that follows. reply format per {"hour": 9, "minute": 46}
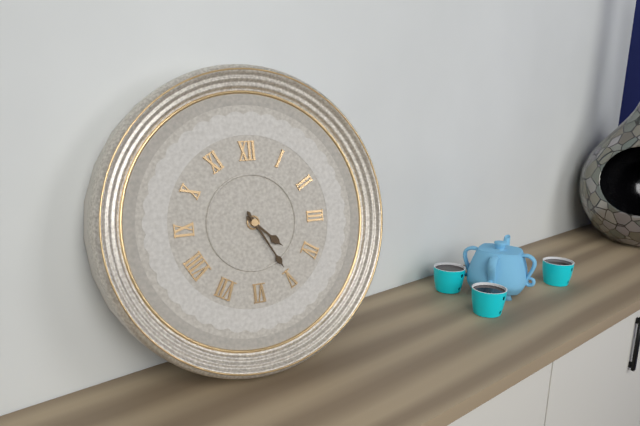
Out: {"hour": 4, "minute": 25}
